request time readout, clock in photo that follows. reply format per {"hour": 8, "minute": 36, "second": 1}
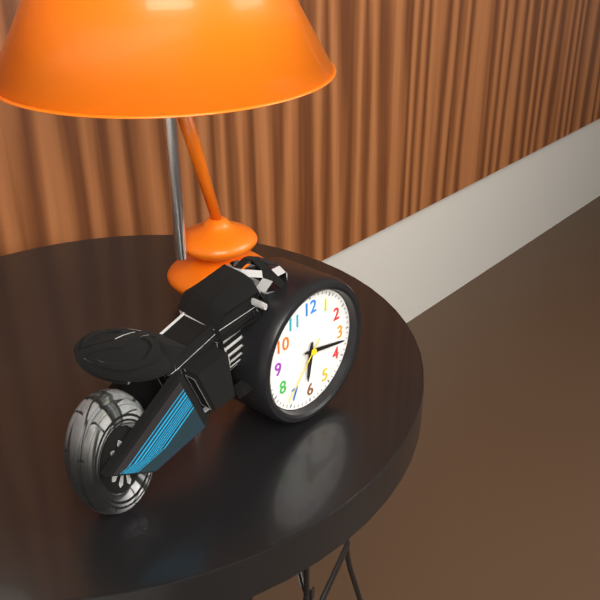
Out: {"hour": 6, "minute": 17, "second": 37}
